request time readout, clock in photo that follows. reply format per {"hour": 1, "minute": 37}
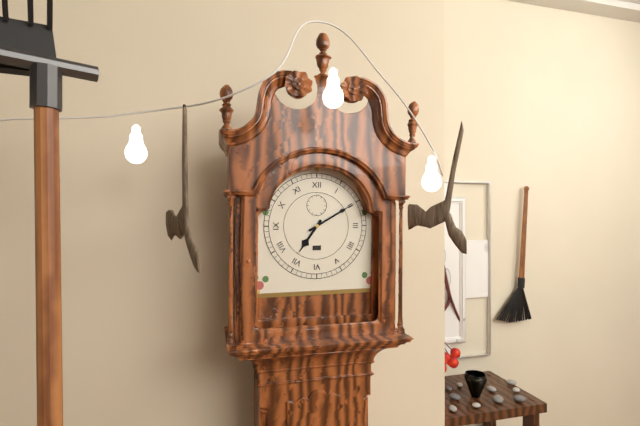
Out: {"hour": 7, "minute": 10}
